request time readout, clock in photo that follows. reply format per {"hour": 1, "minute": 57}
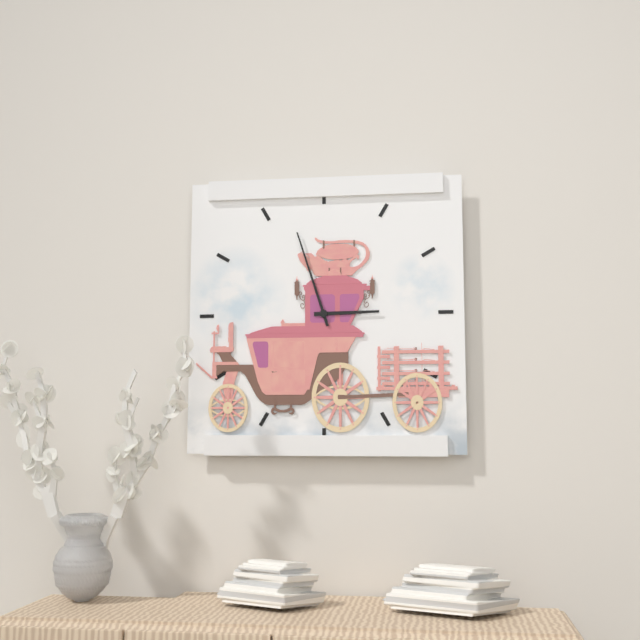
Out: {"hour": 2, "minute": 57}
